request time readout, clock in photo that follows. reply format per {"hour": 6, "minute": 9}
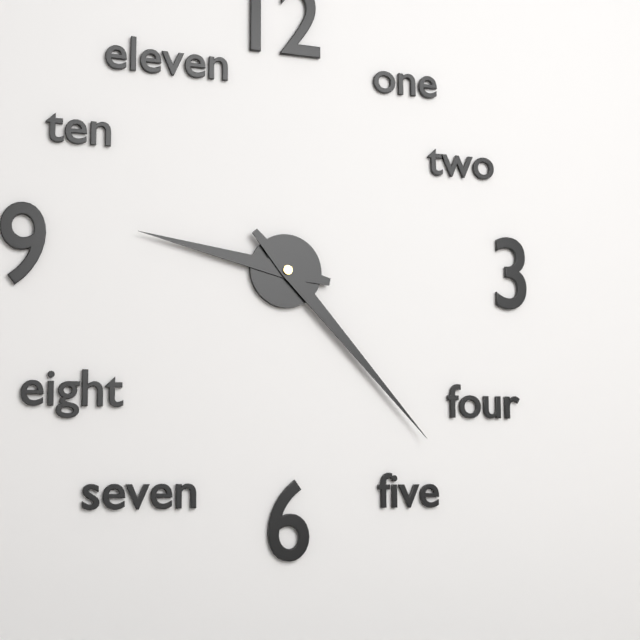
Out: {"hour": 9, "minute": 23}
